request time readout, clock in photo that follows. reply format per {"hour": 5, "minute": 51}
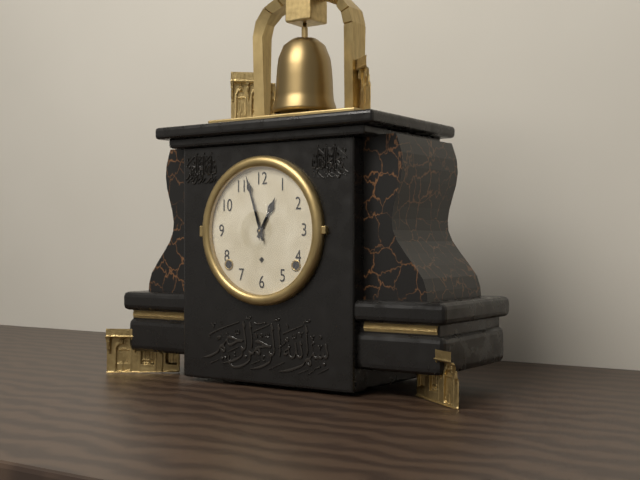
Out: {"hour": 12, "minute": 57}
